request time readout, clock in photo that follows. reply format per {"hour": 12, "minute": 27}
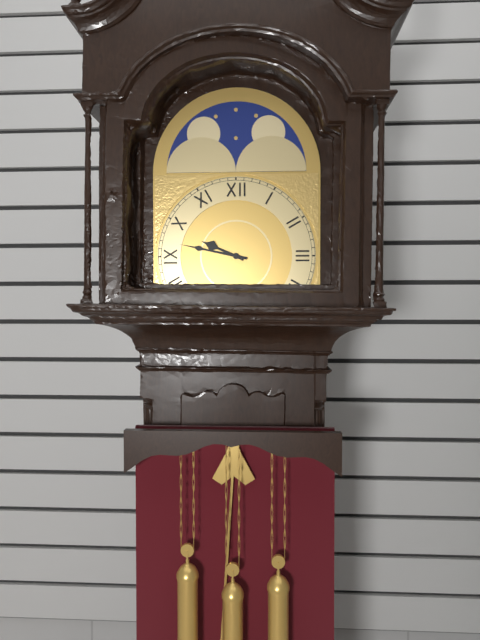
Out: {"hour": 9, "minute": 47}
